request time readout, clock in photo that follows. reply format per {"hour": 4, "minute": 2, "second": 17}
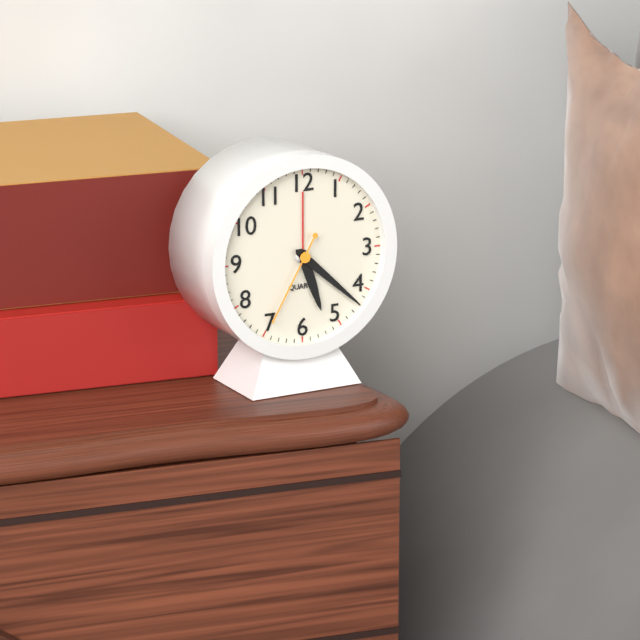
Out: {"hour": 5, "minute": 22, "second": 35}
